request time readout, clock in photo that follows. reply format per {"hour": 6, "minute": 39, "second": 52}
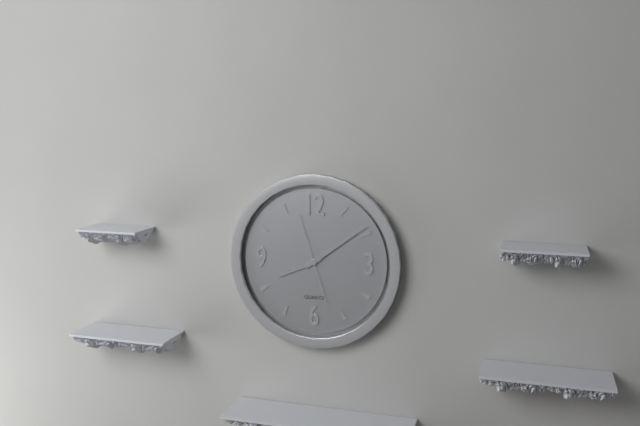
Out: {"hour": 8, "minute": 9, "second": 57}
